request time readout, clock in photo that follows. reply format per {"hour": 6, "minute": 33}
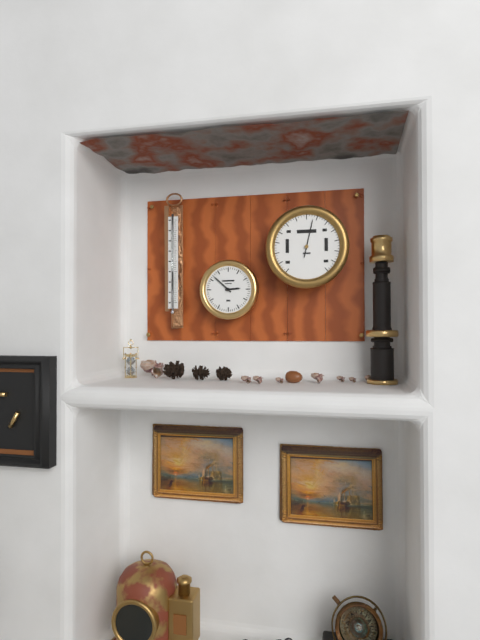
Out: {"hour": 2, "minute": 52}
